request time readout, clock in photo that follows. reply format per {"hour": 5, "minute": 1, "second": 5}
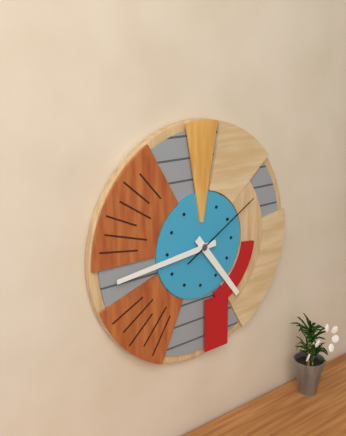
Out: {"hour": 4, "minute": 44, "second": 10}
